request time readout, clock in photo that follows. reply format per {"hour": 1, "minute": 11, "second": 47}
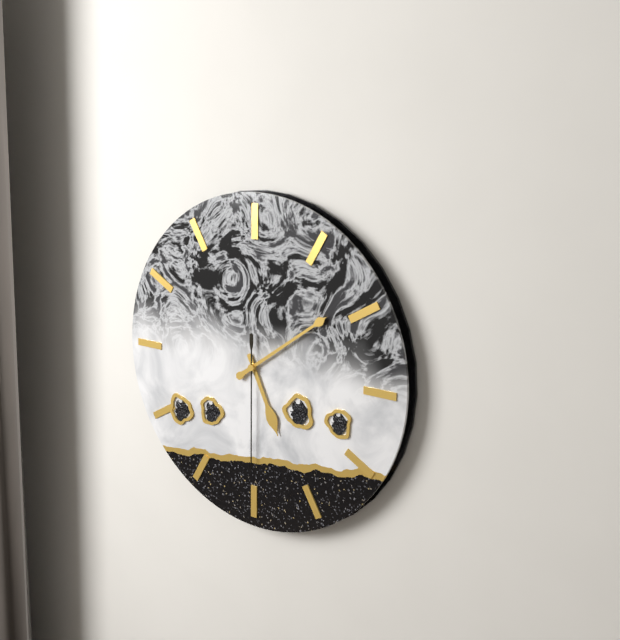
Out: {"hour": 5, "minute": 9, "second": 30}
